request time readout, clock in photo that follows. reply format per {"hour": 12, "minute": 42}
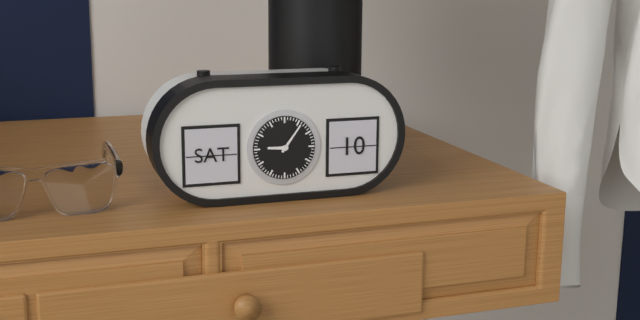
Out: {"hour": 9, "minute": 6}
